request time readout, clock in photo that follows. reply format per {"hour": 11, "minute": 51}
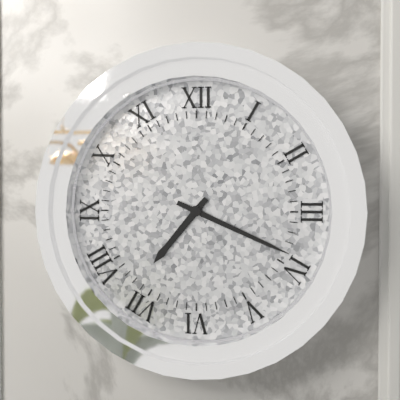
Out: {"hour": 7, "minute": 19}
